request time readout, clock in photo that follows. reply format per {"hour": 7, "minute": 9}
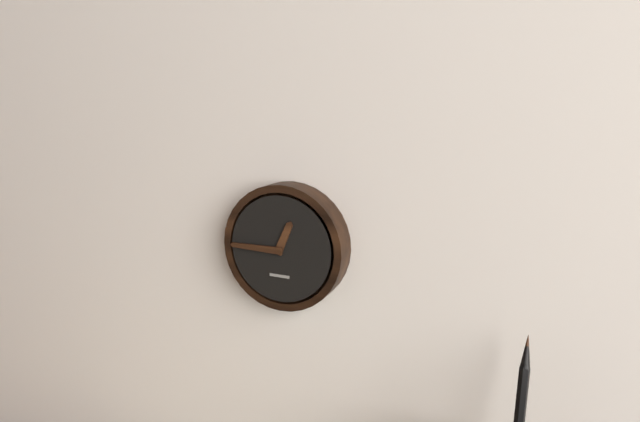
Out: {"hour": 12, "minute": 45}
